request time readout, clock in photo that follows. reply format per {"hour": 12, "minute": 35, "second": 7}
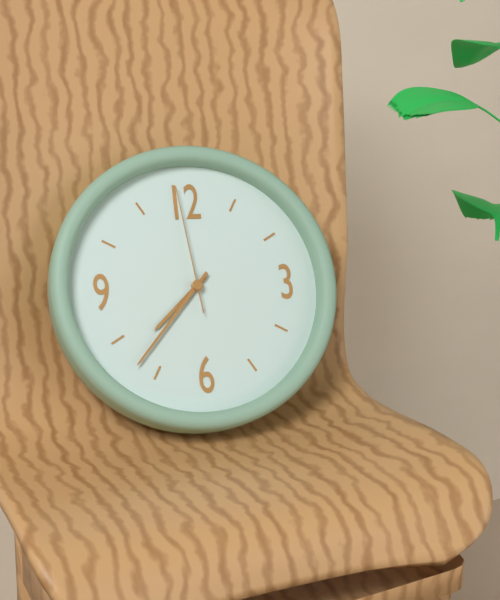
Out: {"hour": 7, "minute": 37, "second": 59}
